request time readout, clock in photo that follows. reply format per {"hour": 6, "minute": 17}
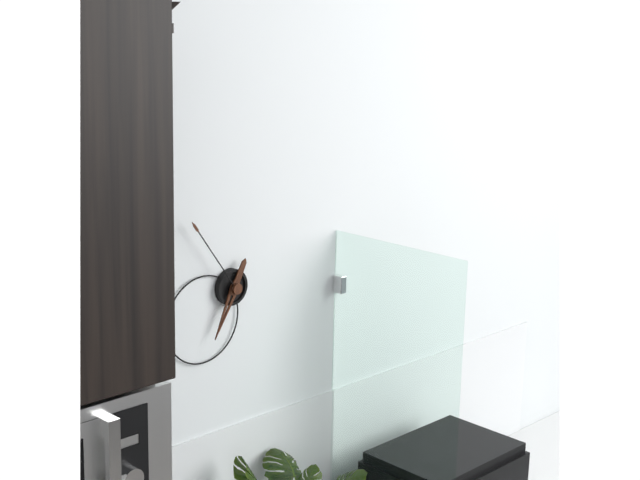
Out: {"hour": 6, "minute": 54}
